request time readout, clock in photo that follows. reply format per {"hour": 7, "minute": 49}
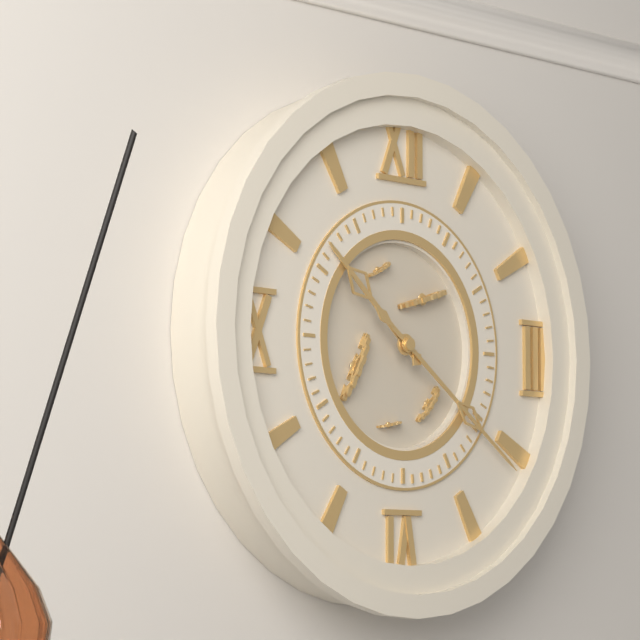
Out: {"hour": 10, "minute": 21}
